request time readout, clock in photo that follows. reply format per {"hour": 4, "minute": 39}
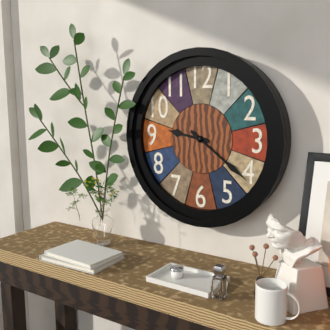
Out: {"hour": 9, "minute": 21}
